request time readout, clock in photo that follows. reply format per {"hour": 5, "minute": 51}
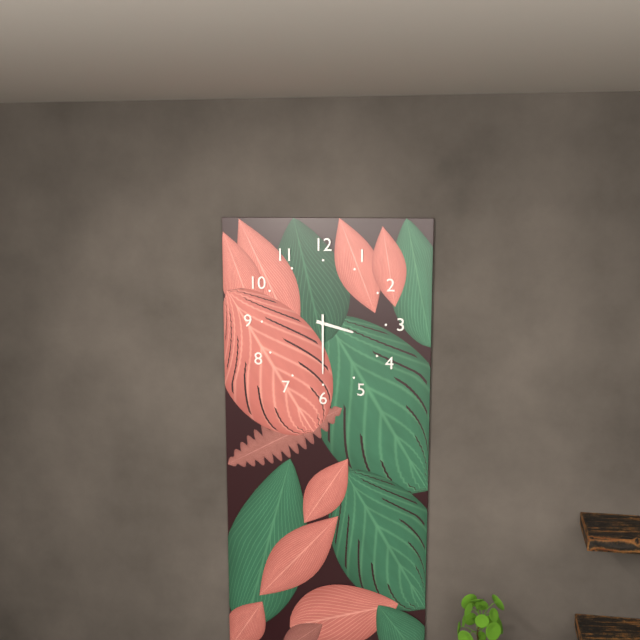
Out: {"hour": 3, "minute": 30}
